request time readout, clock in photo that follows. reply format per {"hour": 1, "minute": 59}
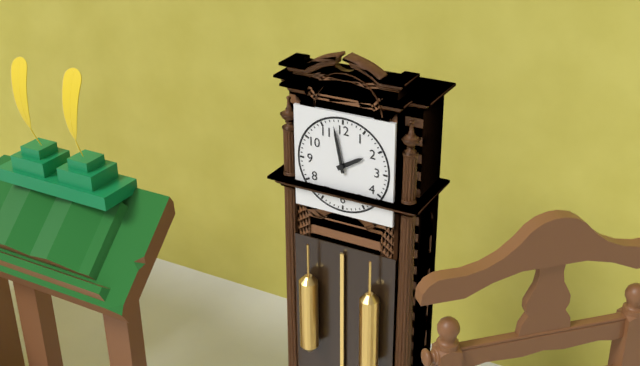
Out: {"hour": 1, "minute": 58}
